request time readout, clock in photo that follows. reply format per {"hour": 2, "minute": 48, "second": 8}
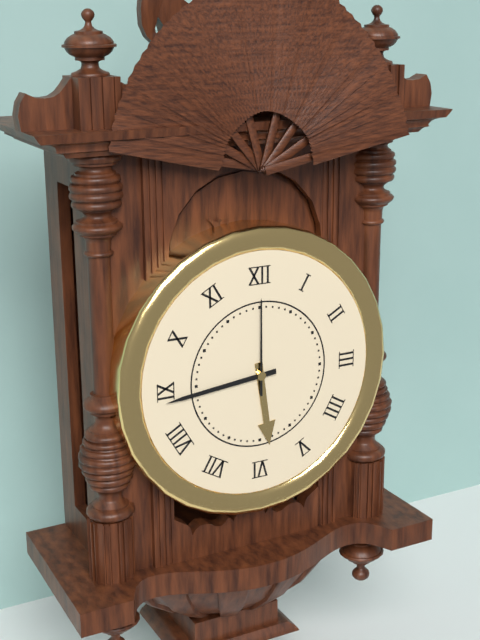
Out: {"hour": 5, "minute": 44, "second": 0}
